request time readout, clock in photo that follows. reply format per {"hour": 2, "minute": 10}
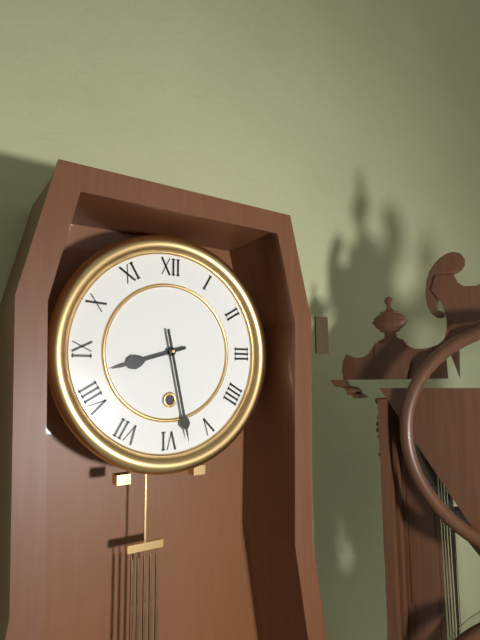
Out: {"hour": 8, "minute": 28}
